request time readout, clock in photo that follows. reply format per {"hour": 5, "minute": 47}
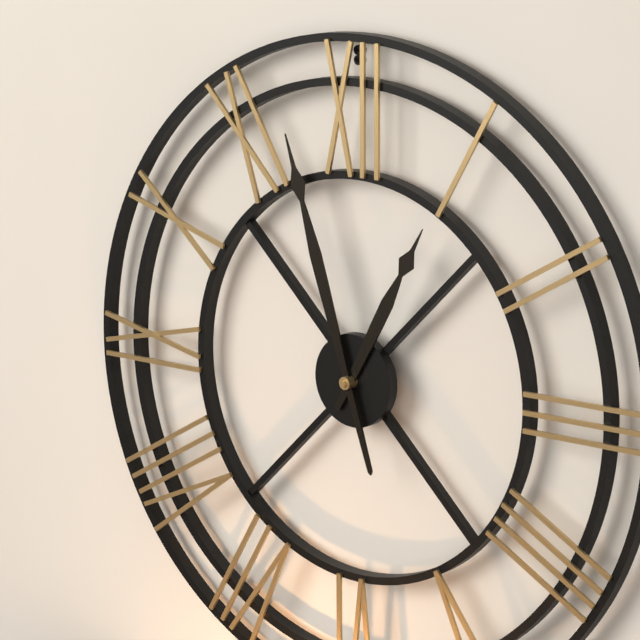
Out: {"hour": 12, "minute": 57}
